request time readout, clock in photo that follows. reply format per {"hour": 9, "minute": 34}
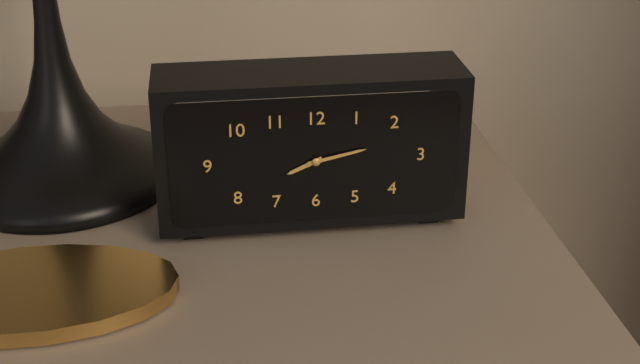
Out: {"hour": 8, "minute": 13}
